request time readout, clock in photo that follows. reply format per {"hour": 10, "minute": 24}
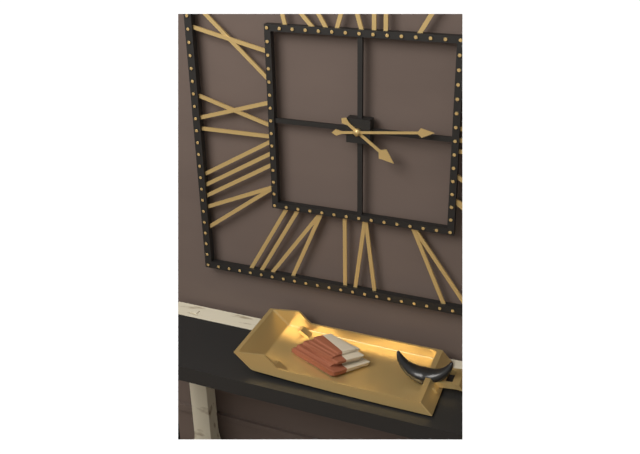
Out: {"hour": 4, "minute": 14}
